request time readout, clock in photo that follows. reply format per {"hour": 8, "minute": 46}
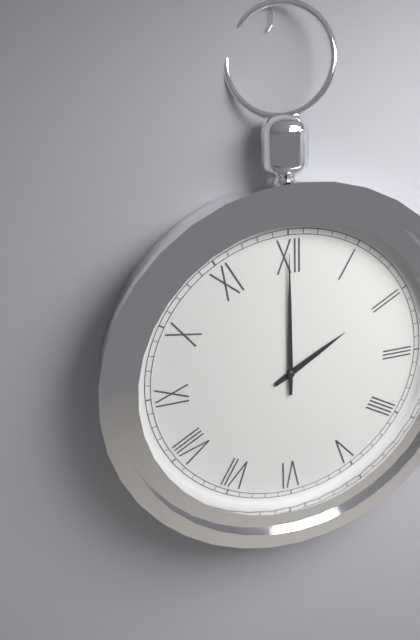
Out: {"hour": 2, "minute": 0}
